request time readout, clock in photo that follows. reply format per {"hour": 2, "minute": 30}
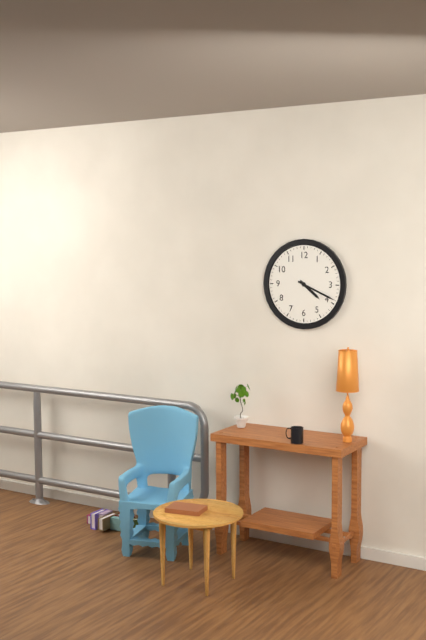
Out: {"hour": 4, "minute": 19}
